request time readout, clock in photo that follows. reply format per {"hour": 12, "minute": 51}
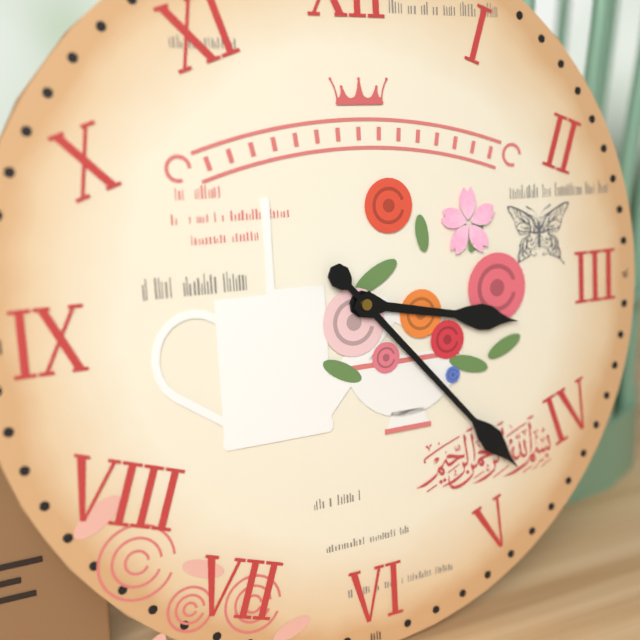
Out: {"hour": 3, "minute": 23}
